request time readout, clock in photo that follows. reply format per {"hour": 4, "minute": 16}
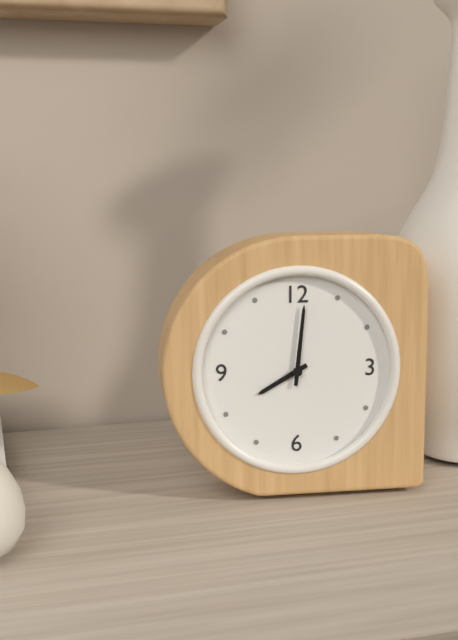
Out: {"hour": 8, "minute": 1}
